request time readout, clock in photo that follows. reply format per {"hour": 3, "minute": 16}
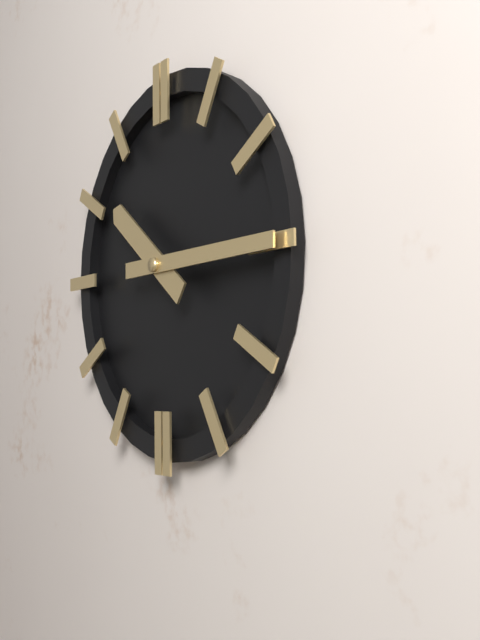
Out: {"hour": 10, "minute": 15}
